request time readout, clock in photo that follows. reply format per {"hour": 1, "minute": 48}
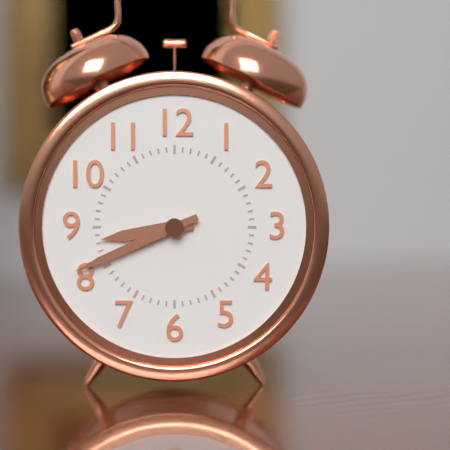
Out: {"hour": 8, "minute": 41}
